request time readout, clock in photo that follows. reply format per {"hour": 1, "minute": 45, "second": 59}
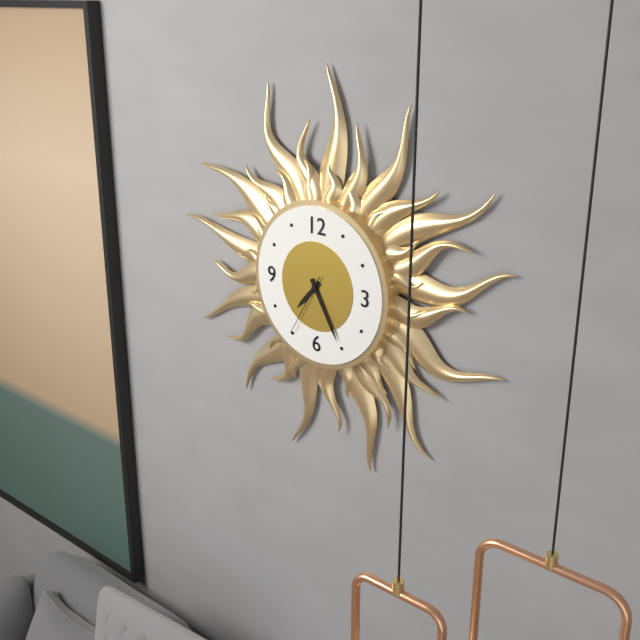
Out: {"hour": 7, "minute": 25, "second": 35}
